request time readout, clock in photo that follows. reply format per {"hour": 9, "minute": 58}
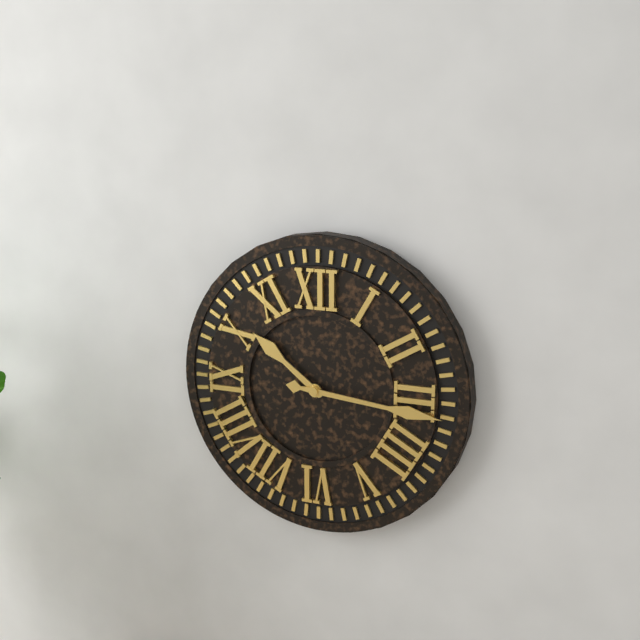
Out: {"hour": 10, "minute": 16}
